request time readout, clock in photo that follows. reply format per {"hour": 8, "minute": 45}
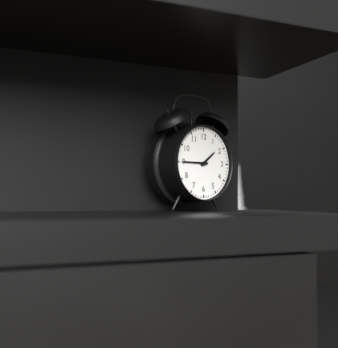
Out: {"hour": 1, "minute": 45}
